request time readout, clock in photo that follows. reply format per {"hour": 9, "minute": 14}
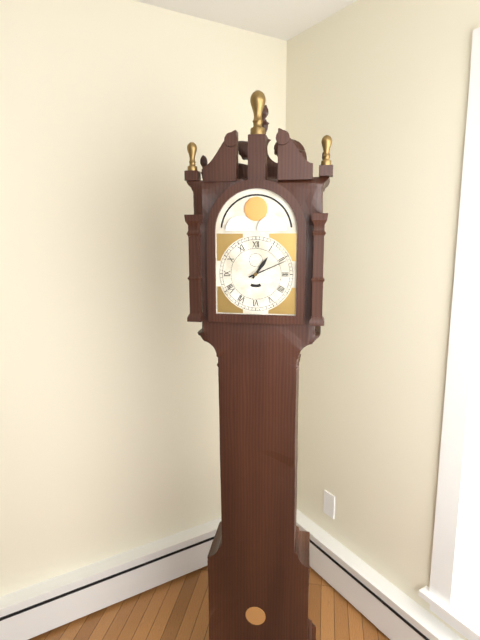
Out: {"hour": 1, "minute": 11}
